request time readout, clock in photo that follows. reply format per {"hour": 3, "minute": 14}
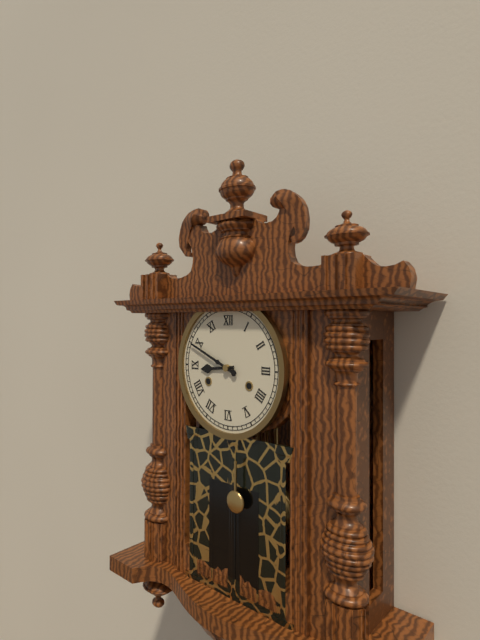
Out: {"hour": 8, "minute": 49}
